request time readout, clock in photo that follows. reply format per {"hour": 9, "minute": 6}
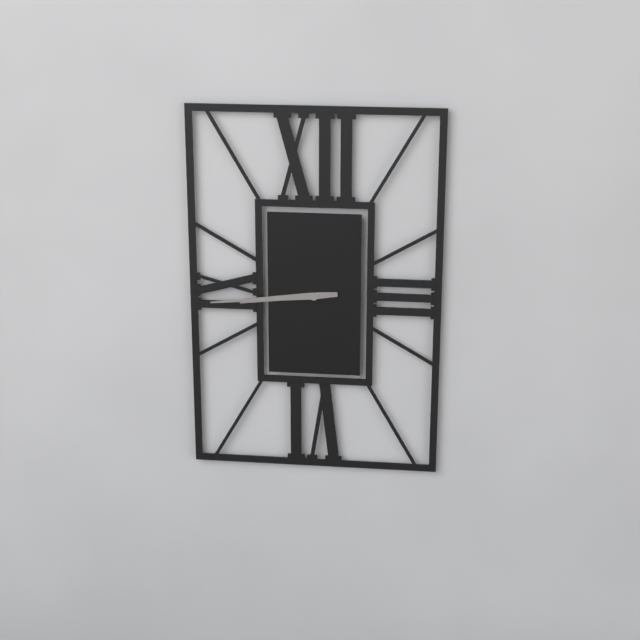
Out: {"hour": 8, "minute": 44}
